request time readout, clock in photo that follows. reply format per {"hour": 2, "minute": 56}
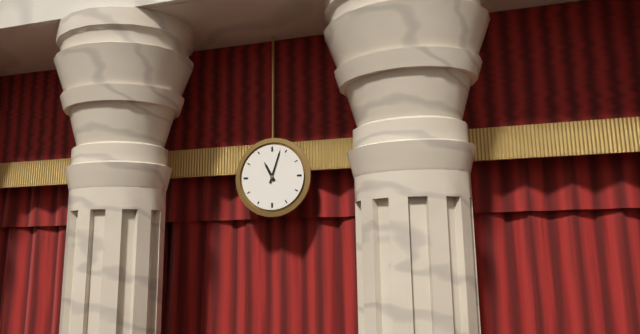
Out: {"hour": 11, "minute": 3}
